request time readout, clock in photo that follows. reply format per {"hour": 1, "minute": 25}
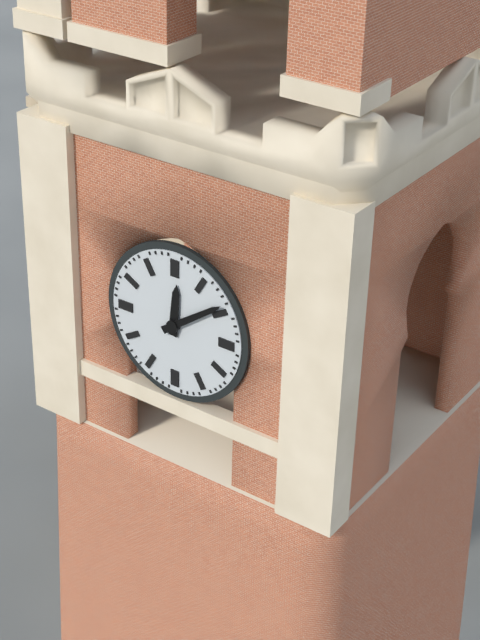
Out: {"hour": 12, "minute": 9}
